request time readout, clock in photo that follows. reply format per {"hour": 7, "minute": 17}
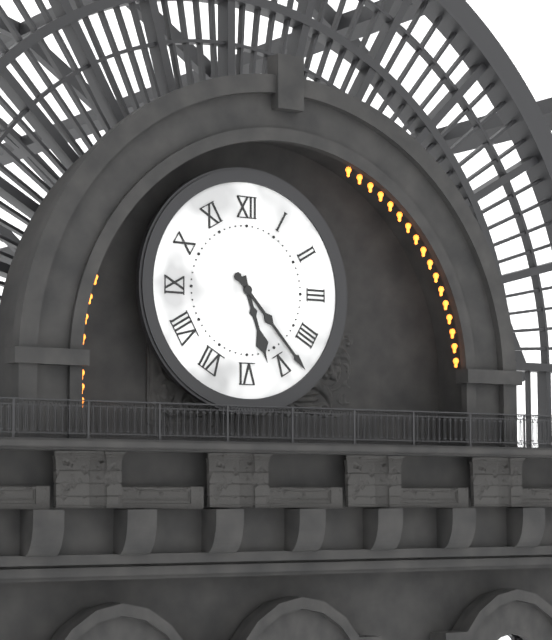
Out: {"hour": 5, "minute": 23}
